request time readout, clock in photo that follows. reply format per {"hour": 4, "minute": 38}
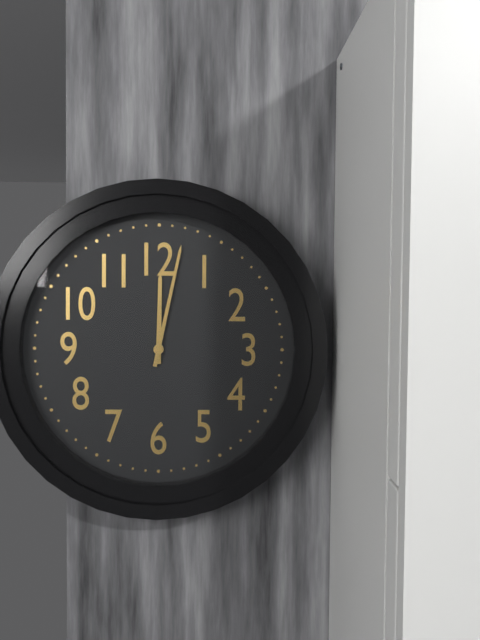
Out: {"hour": 12, "minute": 2}
